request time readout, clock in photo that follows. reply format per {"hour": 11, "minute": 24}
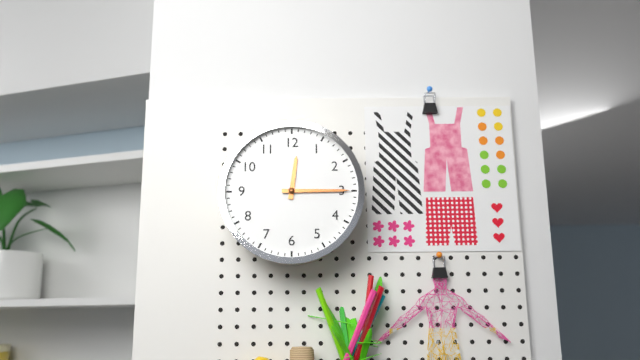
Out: {"hour": 12, "minute": 15}
